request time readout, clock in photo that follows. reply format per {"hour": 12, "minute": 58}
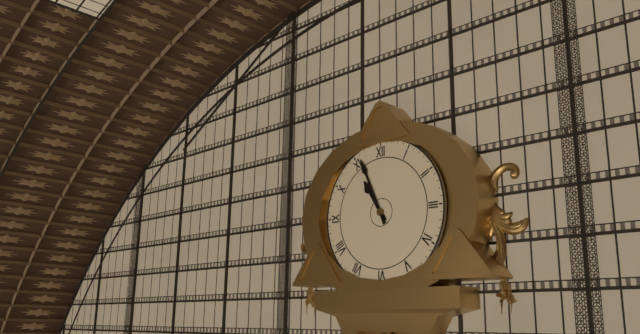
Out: {"hour": 10, "minute": 56}
